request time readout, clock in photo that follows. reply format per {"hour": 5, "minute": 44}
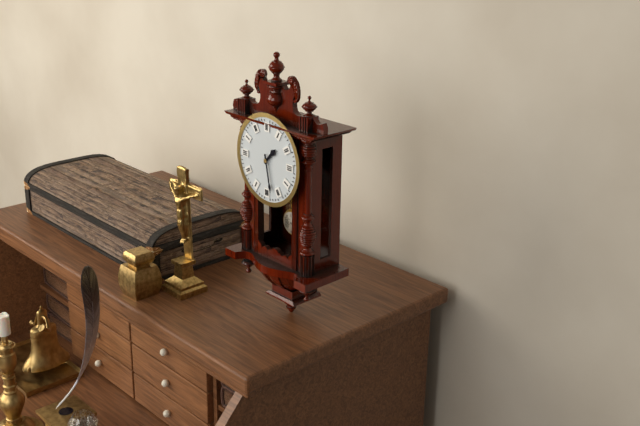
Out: {"hour": 1, "minute": 28}
